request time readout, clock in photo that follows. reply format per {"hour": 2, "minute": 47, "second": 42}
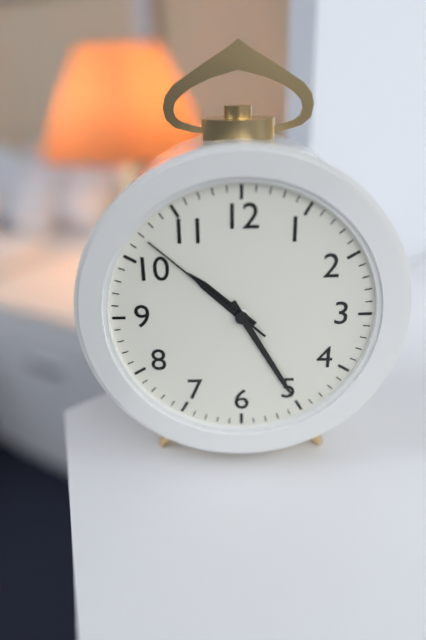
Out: {"hour": 10, "minute": 25, "second": 52}
